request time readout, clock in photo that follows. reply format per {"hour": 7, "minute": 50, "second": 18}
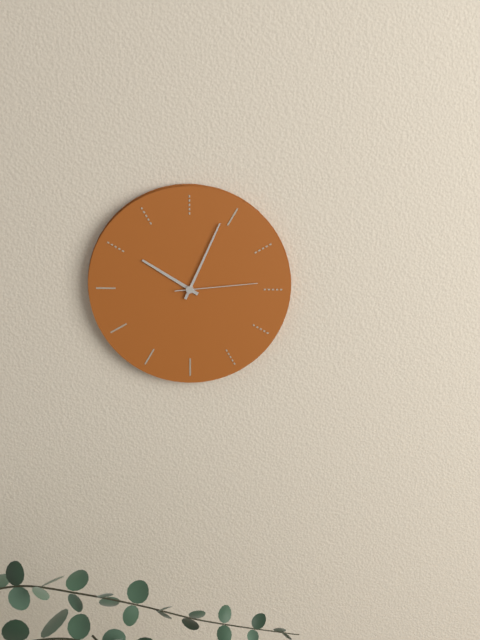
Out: {"hour": 10, "minute": 4, "second": 14}
